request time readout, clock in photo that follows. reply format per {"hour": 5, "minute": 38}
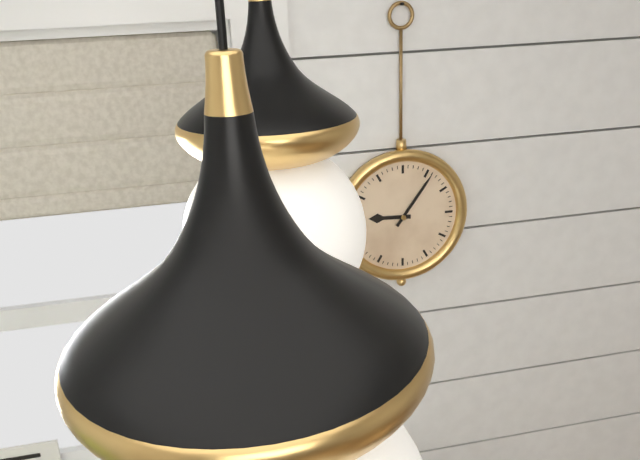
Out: {"hour": 9, "minute": 6}
